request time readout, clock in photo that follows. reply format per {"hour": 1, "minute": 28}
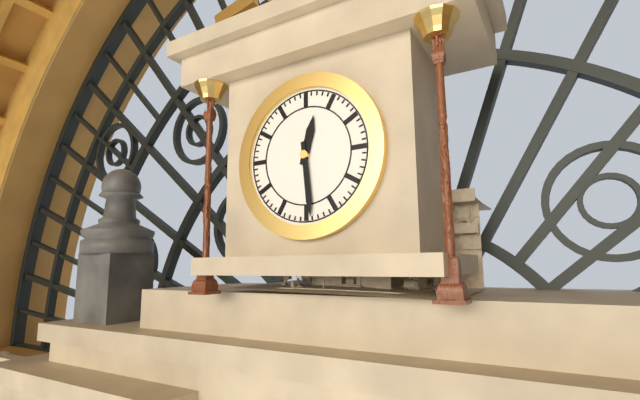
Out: {"hour": 12, "minute": 29}
